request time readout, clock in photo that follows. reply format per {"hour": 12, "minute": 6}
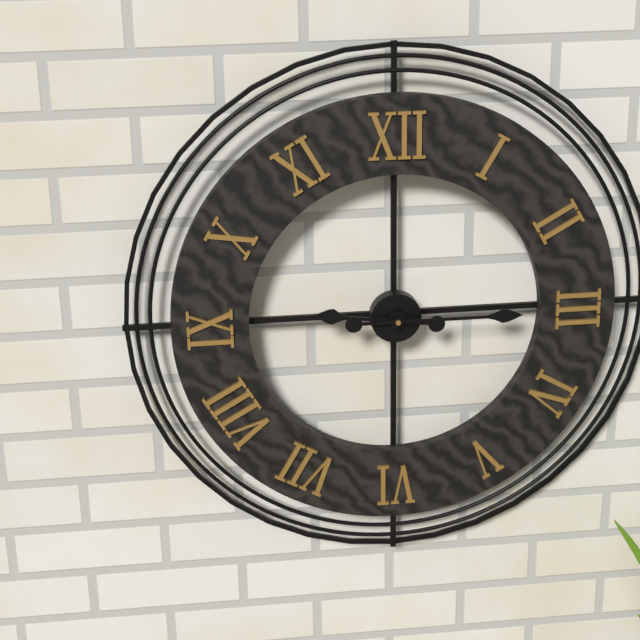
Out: {"hour": 9, "minute": 15}
